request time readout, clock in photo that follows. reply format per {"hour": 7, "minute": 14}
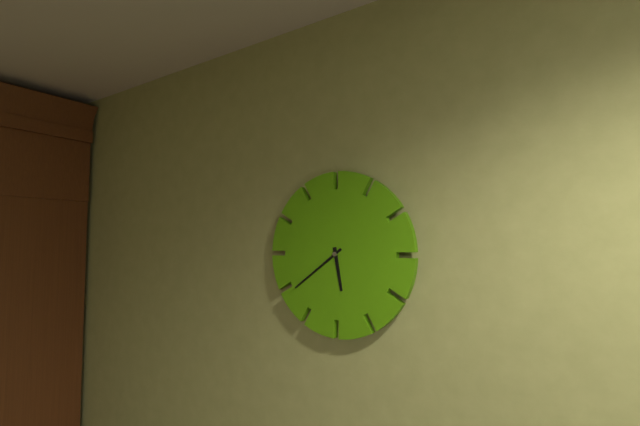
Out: {"hour": 5, "minute": 39}
